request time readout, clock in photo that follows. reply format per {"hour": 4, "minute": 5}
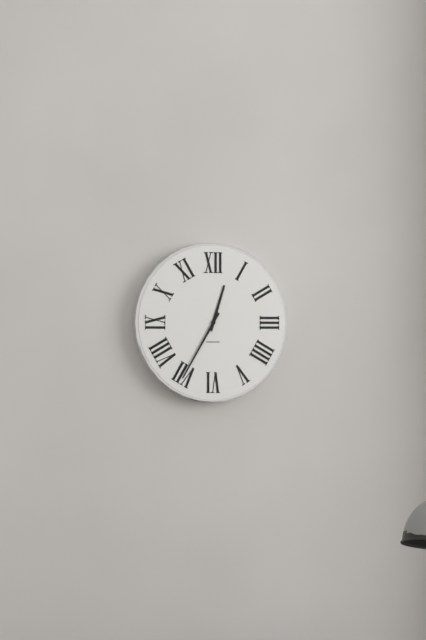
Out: {"hour": 12, "minute": 35}
